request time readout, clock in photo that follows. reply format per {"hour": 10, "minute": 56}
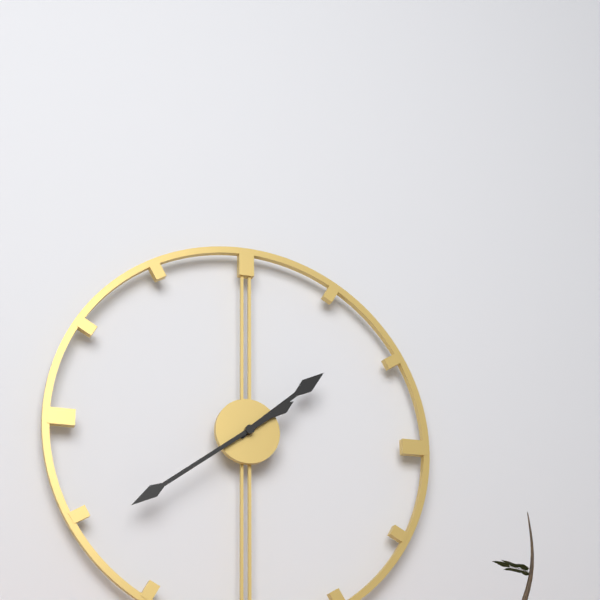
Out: {"hour": 1, "minute": 39}
